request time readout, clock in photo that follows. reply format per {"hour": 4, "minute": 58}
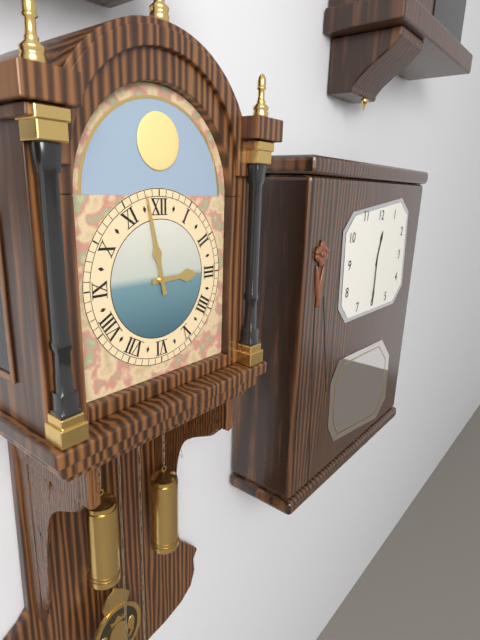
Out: {"hour": 2, "minute": 58}
